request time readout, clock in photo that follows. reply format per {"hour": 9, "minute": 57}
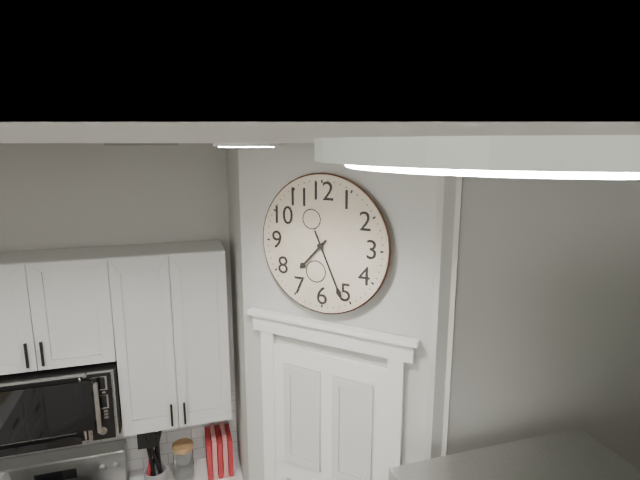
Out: {"hour": 7, "minute": 26}
